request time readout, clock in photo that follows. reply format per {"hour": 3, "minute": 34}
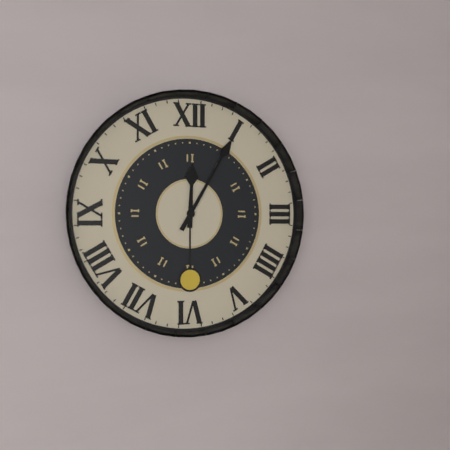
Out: {"hour": 12, "minute": 5}
